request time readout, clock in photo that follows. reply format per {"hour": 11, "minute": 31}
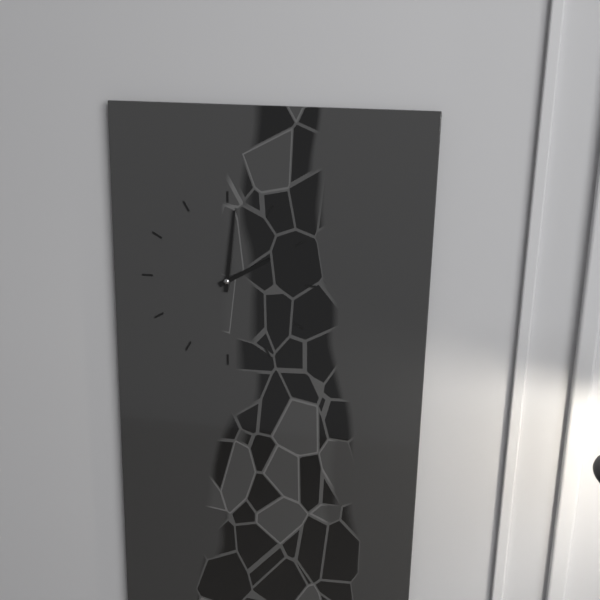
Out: {"hour": 2, "minute": 1}
